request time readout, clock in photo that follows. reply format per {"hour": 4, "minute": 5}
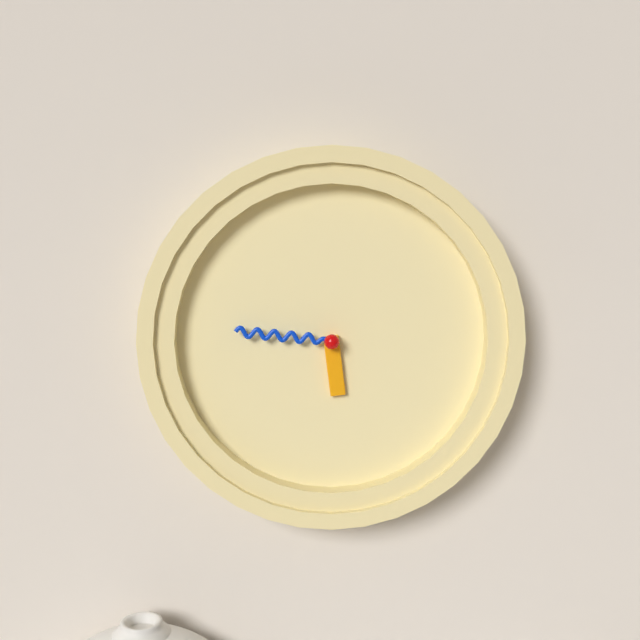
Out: {"hour": 5, "minute": 46}
